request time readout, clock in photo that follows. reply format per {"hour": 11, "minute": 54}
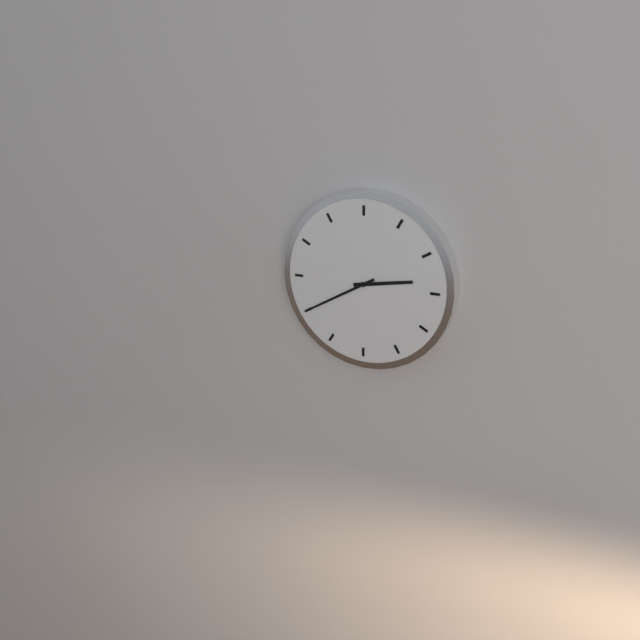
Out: {"hour": 2, "minute": 40}
